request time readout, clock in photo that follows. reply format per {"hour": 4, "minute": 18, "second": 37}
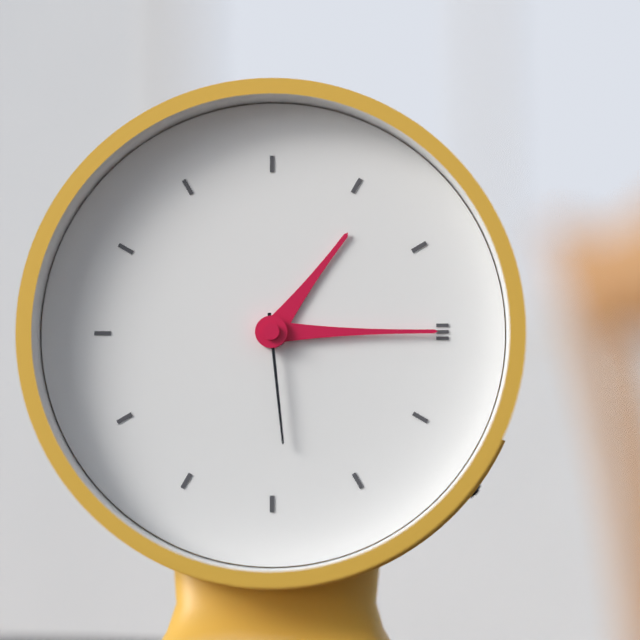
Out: {"hour": 1, "minute": 15, "second": 29}
